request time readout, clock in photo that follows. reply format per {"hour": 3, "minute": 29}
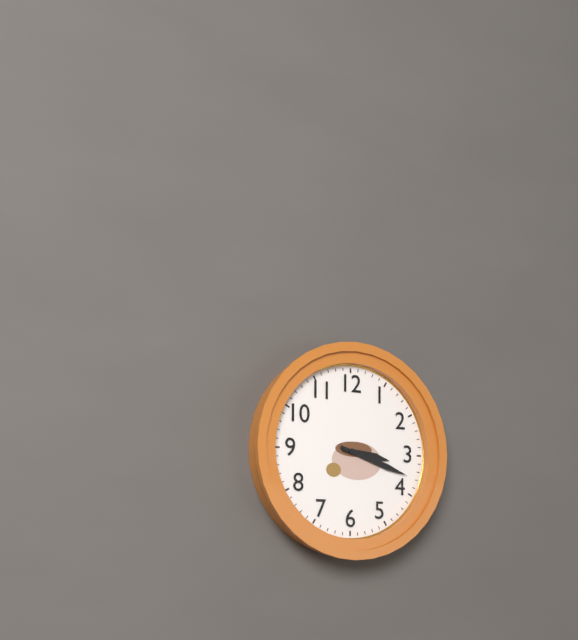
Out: {"hour": 3, "minute": 18}
